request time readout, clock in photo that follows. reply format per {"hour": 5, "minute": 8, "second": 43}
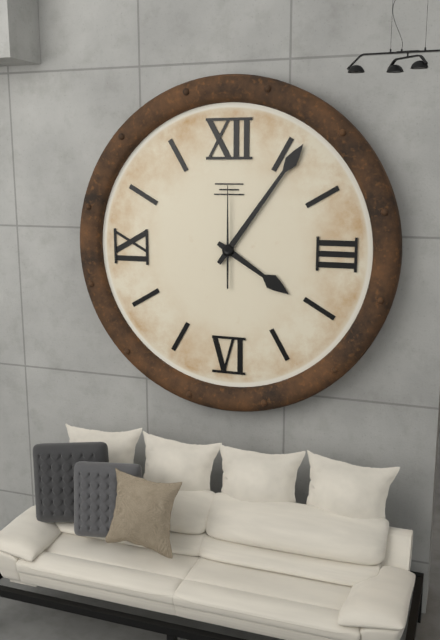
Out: {"hour": 4, "minute": 6, "second": 0}
